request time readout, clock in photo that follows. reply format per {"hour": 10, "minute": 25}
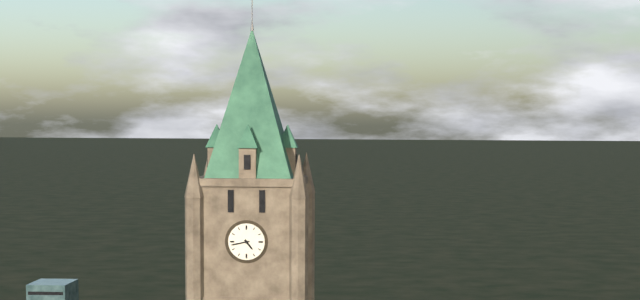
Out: {"hour": 4, "minute": 43}
